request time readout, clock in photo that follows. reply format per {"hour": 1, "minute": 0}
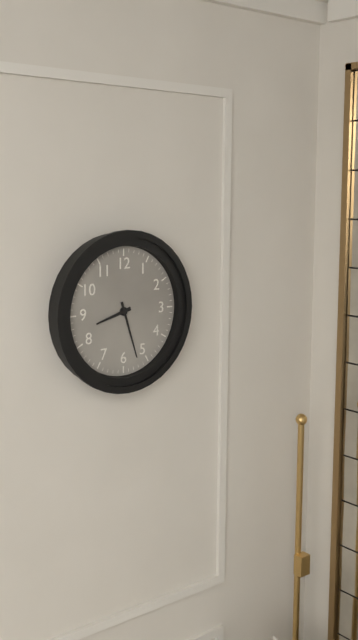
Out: {"hour": 8, "minute": 27}
